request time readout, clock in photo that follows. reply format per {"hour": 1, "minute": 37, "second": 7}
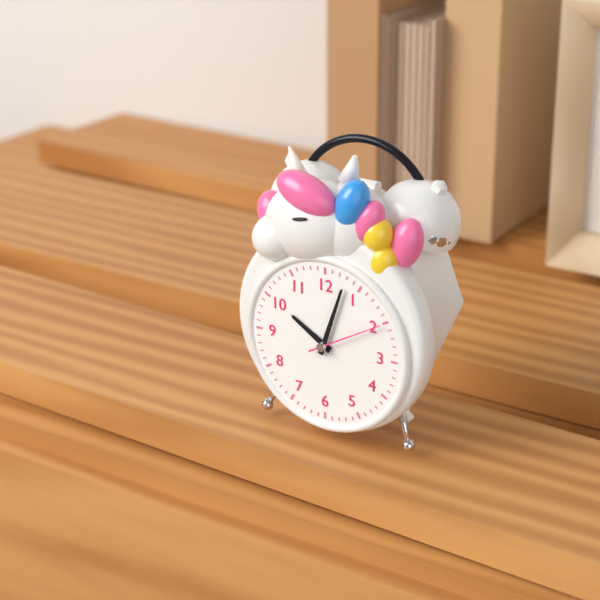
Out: {"hour": 10, "minute": 3, "second": 10}
